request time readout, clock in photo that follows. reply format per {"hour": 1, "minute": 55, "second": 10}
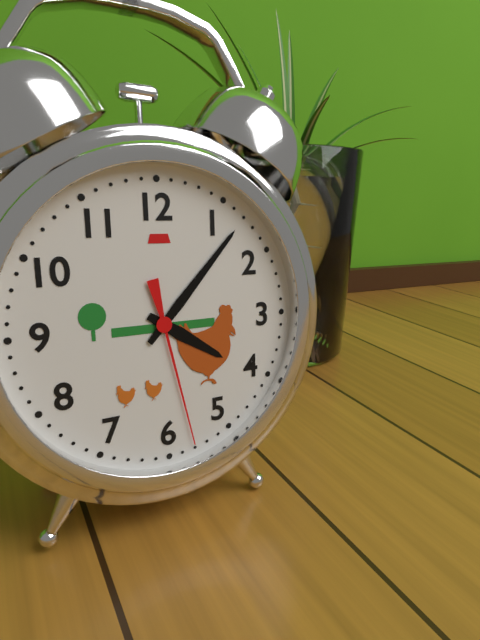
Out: {"hour": 4, "minute": 7, "second": 28}
